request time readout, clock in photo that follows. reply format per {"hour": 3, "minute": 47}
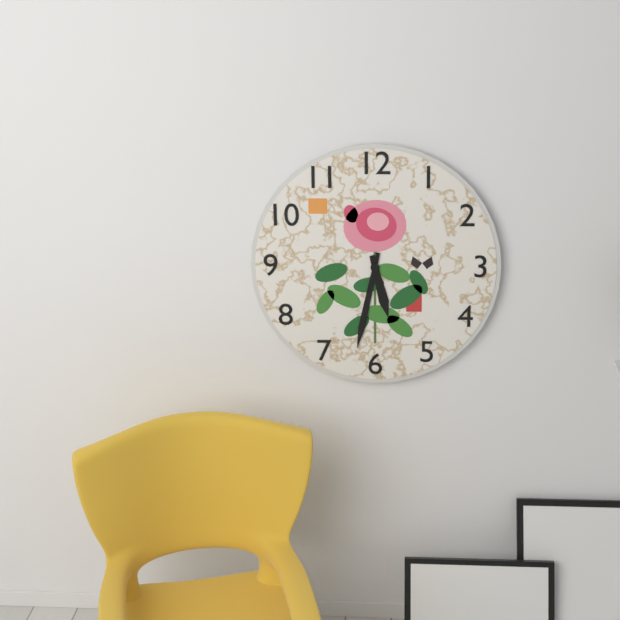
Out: {"hour": 5, "minute": 32}
